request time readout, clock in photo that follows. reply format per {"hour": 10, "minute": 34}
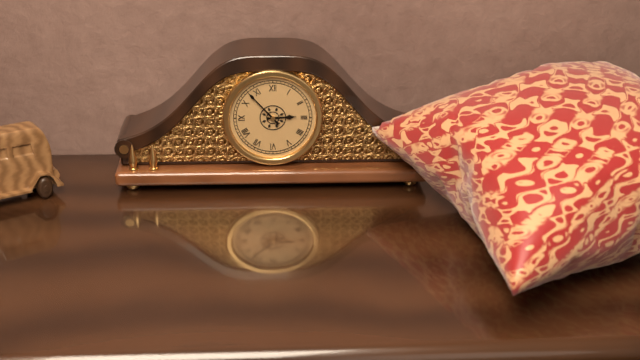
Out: {"hour": 2, "minute": 53}
